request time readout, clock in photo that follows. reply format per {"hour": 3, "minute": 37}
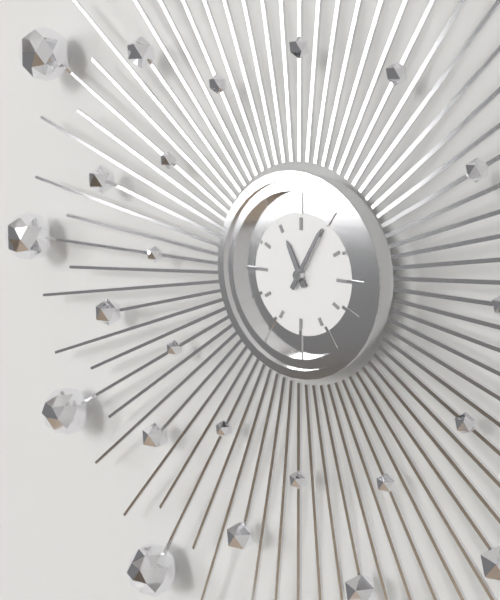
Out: {"hour": 11, "minute": 5}
